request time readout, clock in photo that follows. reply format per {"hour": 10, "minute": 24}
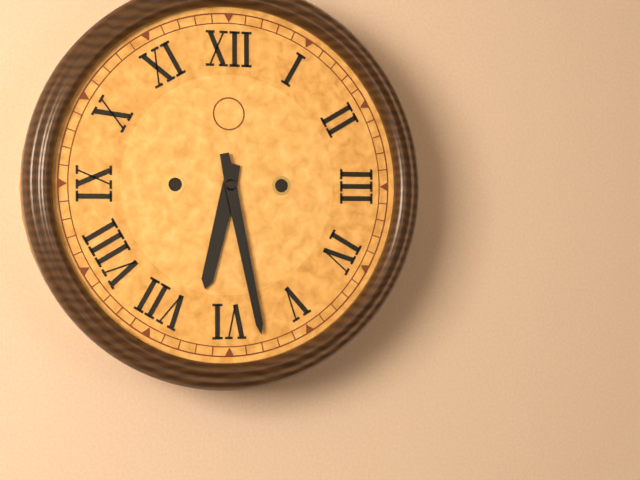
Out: {"hour": 6, "minute": 28}
